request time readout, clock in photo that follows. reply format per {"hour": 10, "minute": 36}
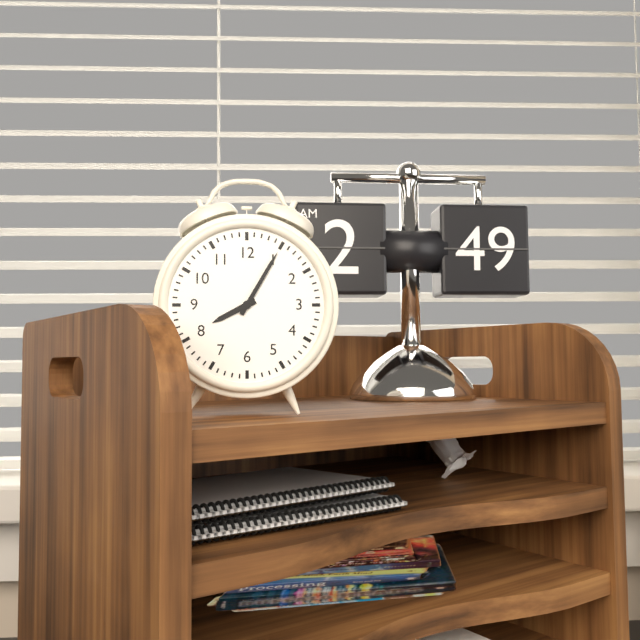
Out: {"hour": 8, "minute": 5}
